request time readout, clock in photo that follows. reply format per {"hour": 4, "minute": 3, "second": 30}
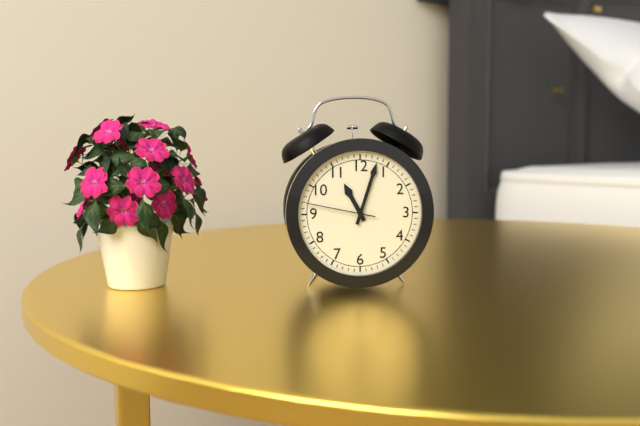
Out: {"hour": 11, "minute": 3, "second": 47}
